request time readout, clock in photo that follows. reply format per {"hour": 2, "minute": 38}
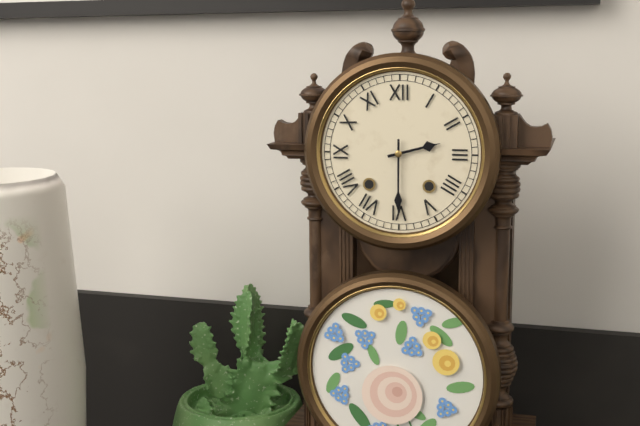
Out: {"hour": 2, "minute": 30}
